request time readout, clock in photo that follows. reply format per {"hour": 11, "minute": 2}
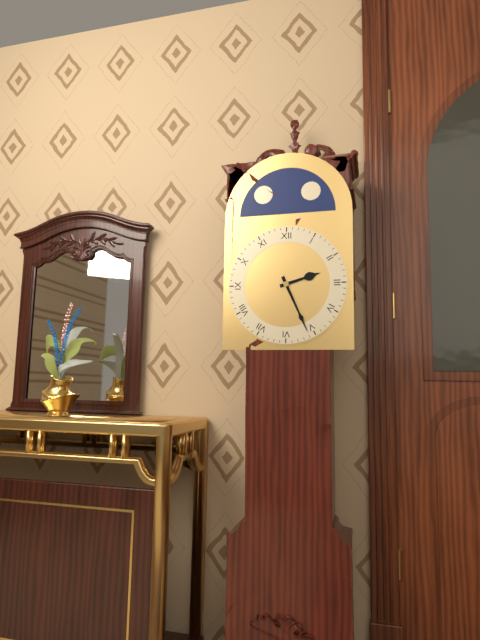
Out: {"hour": 2, "minute": 26}
